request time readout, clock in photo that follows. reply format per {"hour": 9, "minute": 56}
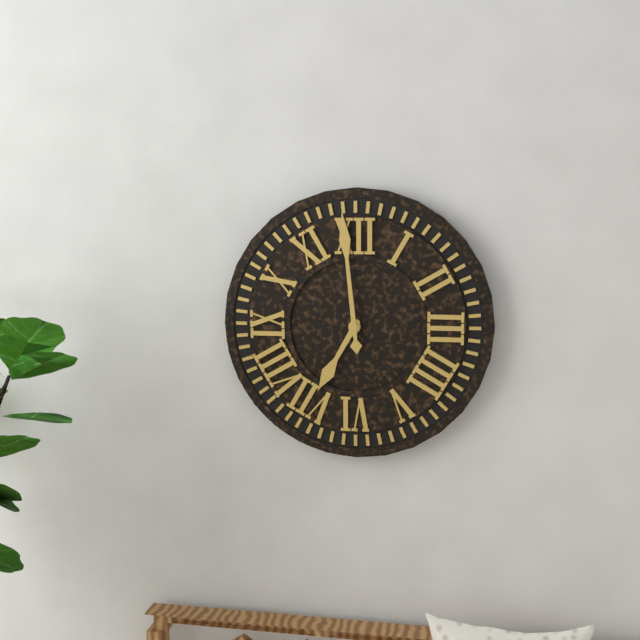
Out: {"hour": 6, "minute": 59}
